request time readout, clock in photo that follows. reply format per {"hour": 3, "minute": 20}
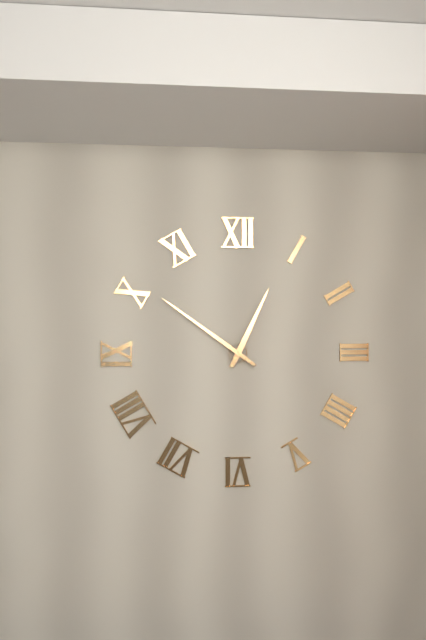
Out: {"hour": 12, "minute": 51}
